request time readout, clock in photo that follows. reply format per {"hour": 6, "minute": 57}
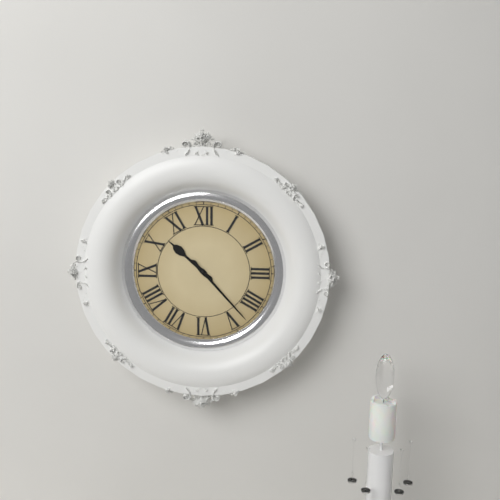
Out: {"hour": 10, "minute": 23}
